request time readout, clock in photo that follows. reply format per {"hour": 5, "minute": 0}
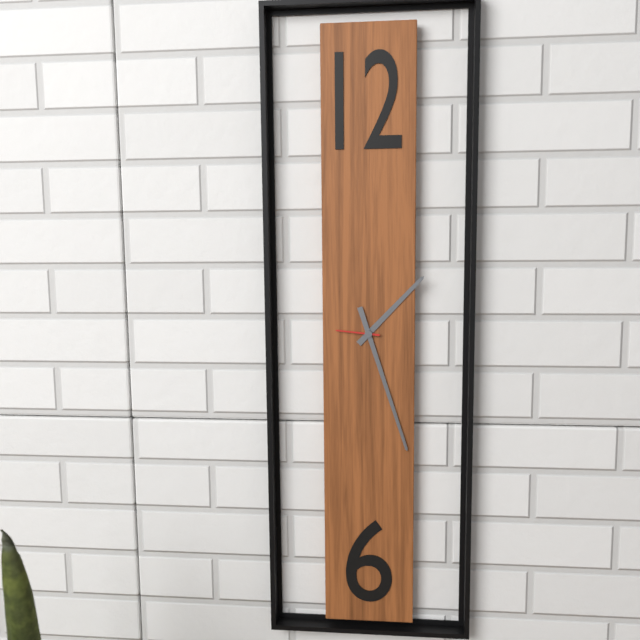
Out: {"hour": 1, "minute": 27}
